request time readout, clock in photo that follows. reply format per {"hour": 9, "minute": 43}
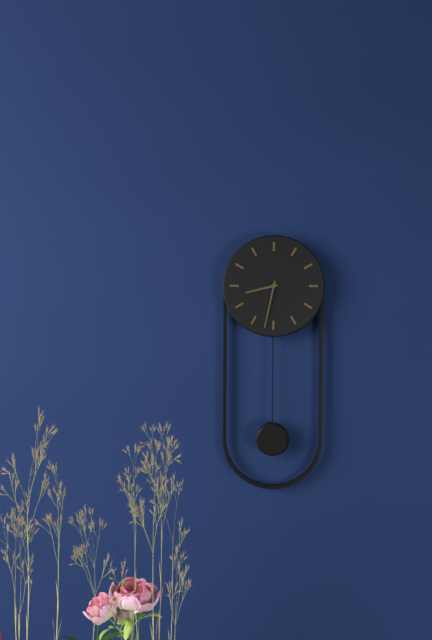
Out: {"hour": 8, "minute": 32}
